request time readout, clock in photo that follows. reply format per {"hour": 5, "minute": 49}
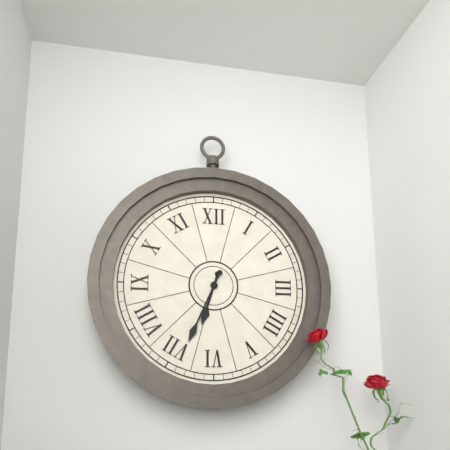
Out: {"hour": 6, "minute": 34}
